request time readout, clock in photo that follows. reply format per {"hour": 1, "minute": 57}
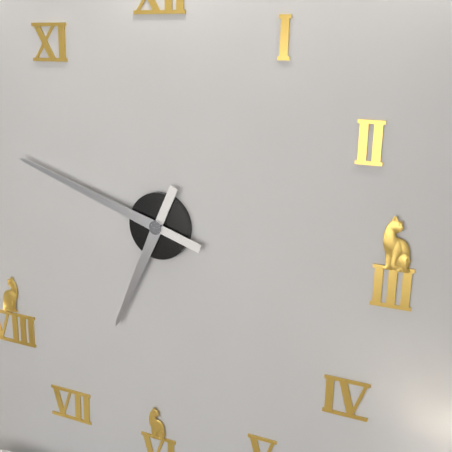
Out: {"hour": 6, "minute": 48}
